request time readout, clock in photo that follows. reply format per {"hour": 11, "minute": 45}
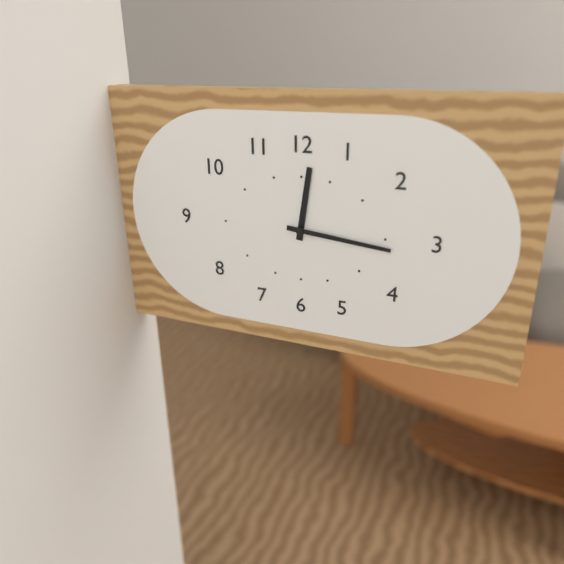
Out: {"hour": 12, "minute": 16}
